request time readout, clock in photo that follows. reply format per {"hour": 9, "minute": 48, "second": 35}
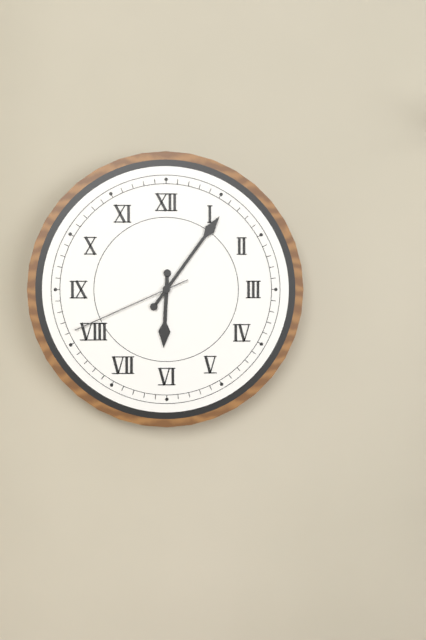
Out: {"hour": 6, "minute": 6, "second": 41}
